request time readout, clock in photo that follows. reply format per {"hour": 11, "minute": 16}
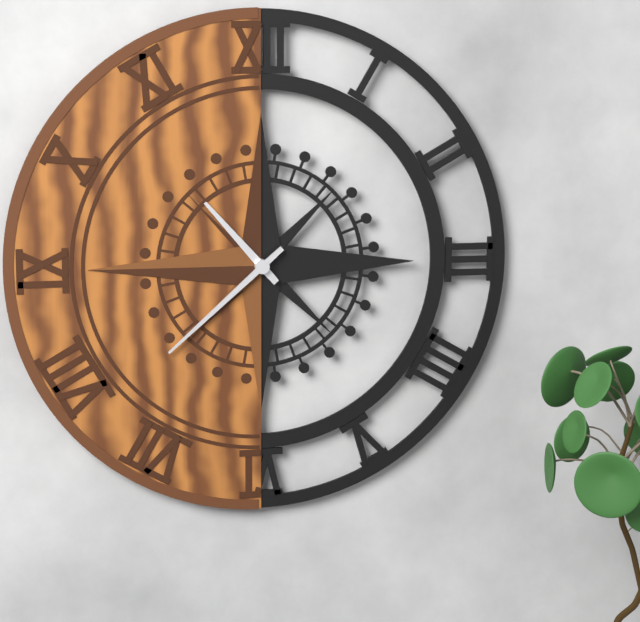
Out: {"hour": 10, "minute": 38}
